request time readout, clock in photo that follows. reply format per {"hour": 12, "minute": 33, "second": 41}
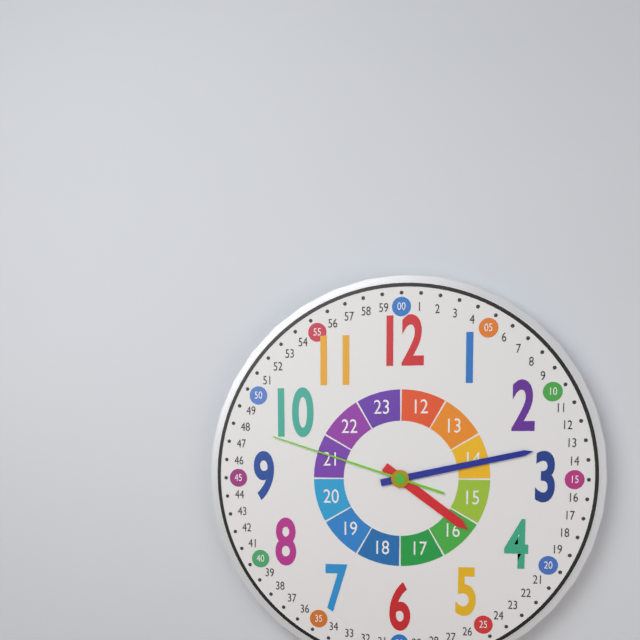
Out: {"hour": 4, "minute": 13, "second": 48}
